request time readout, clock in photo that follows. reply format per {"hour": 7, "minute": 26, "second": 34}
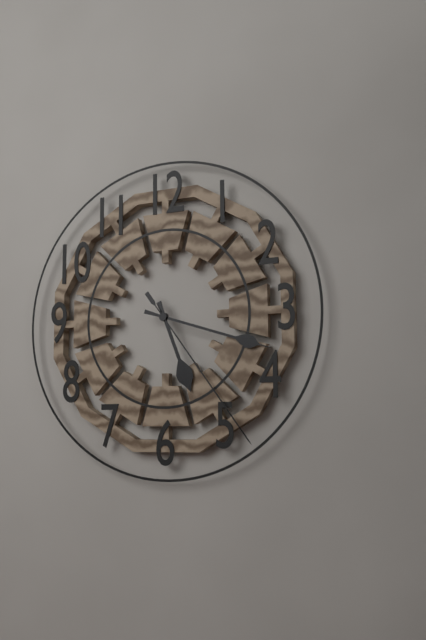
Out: {"hour": 5, "minute": 18, "second": 24}
